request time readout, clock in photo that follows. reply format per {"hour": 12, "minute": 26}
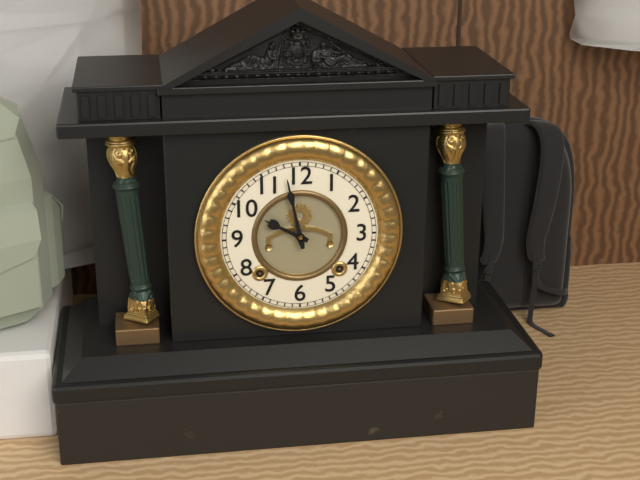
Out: {"hour": 9, "minute": 58}
